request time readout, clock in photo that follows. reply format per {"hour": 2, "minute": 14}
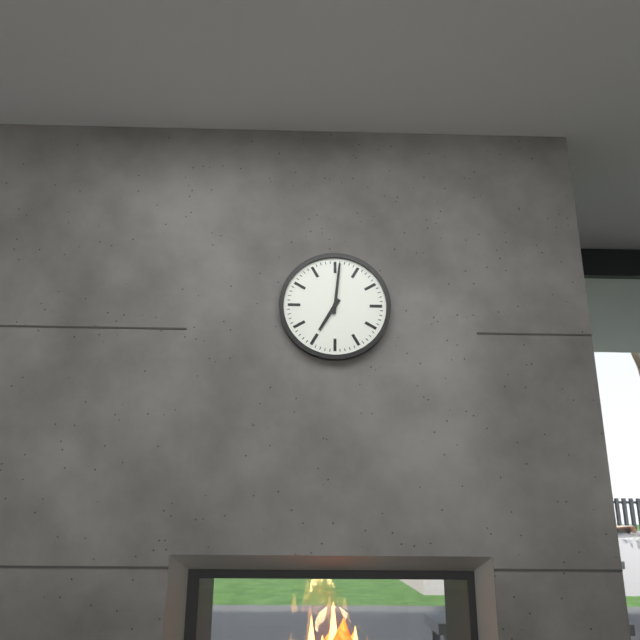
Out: {"hour": 7, "minute": 1}
